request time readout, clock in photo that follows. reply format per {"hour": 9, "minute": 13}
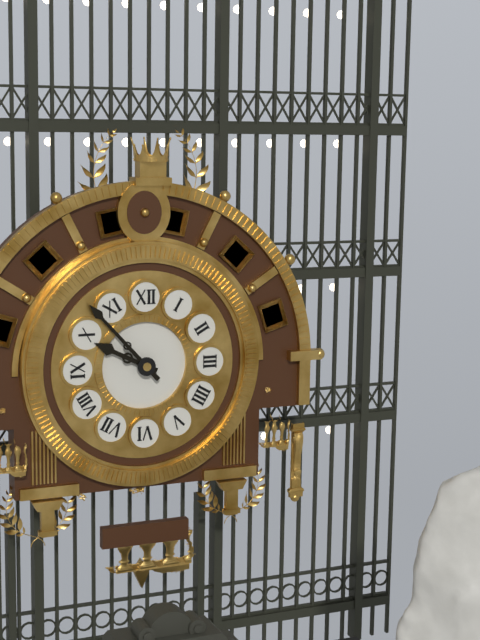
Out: {"hour": 9, "minute": 53}
